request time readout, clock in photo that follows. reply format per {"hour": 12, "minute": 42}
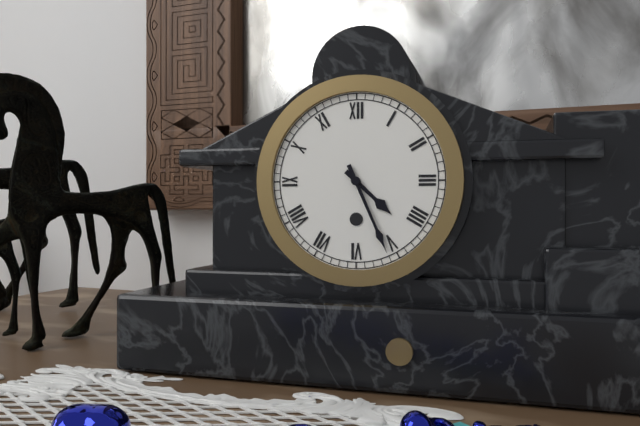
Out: {"hour": 4, "minute": 26}
